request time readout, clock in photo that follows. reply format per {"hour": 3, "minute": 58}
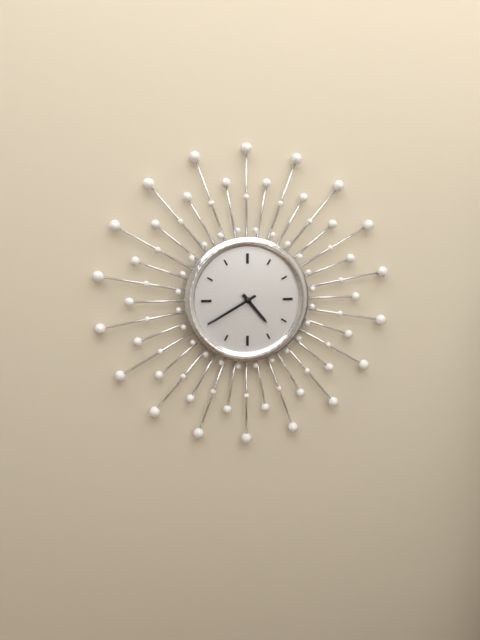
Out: {"hour": 4, "minute": 40}
